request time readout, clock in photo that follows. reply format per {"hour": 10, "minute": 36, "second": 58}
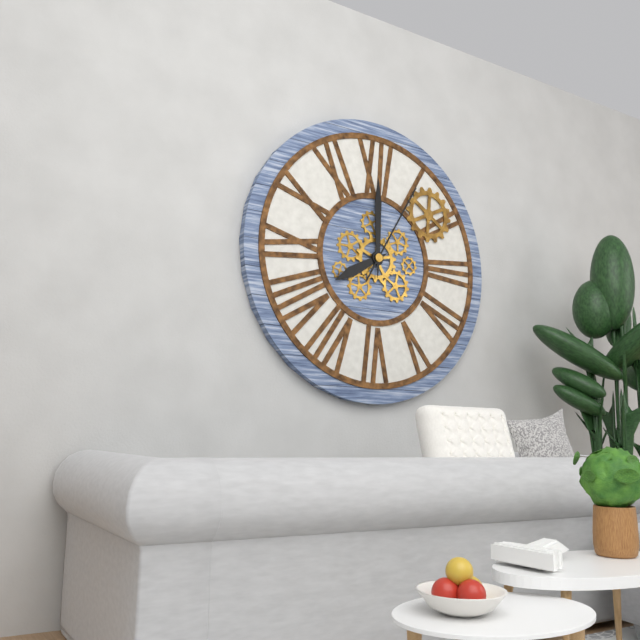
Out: {"hour": 8, "minute": 0, "second": 5}
